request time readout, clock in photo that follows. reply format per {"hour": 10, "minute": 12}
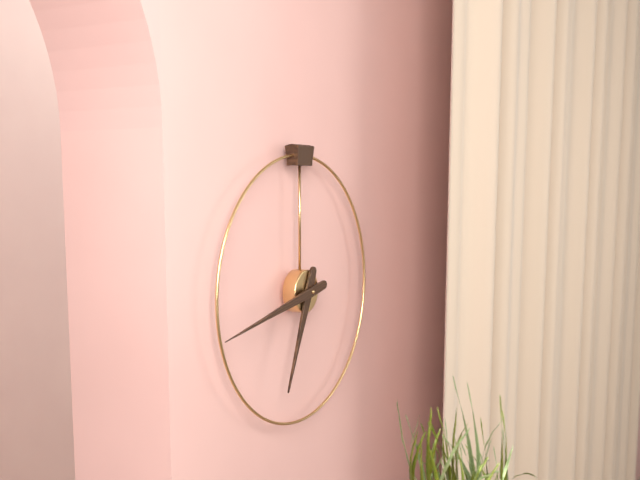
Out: {"hour": 6, "minute": 43}
